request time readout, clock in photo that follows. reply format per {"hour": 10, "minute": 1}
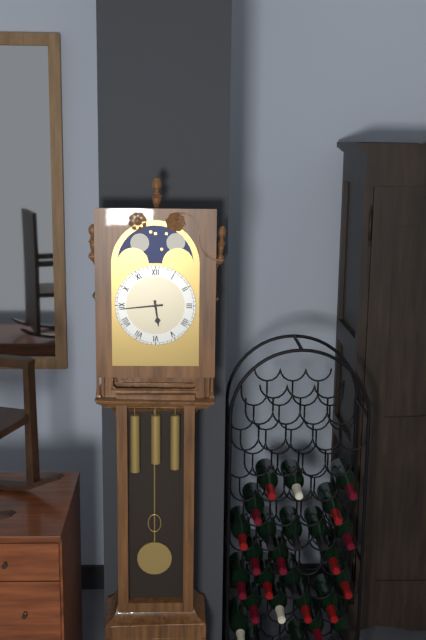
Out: {"hour": 5, "minute": 44}
